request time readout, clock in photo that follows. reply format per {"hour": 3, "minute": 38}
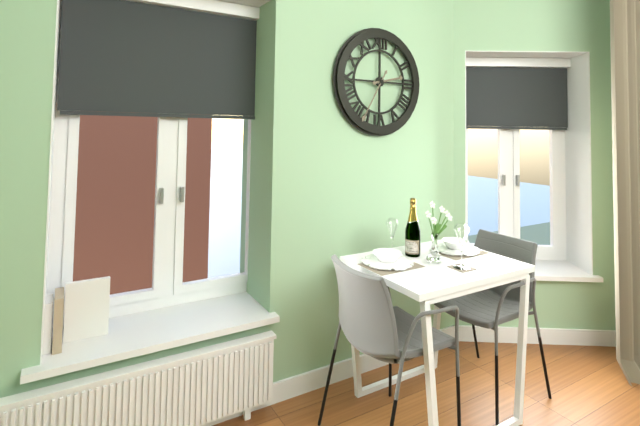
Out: {"hour": 2, "minute": 35}
